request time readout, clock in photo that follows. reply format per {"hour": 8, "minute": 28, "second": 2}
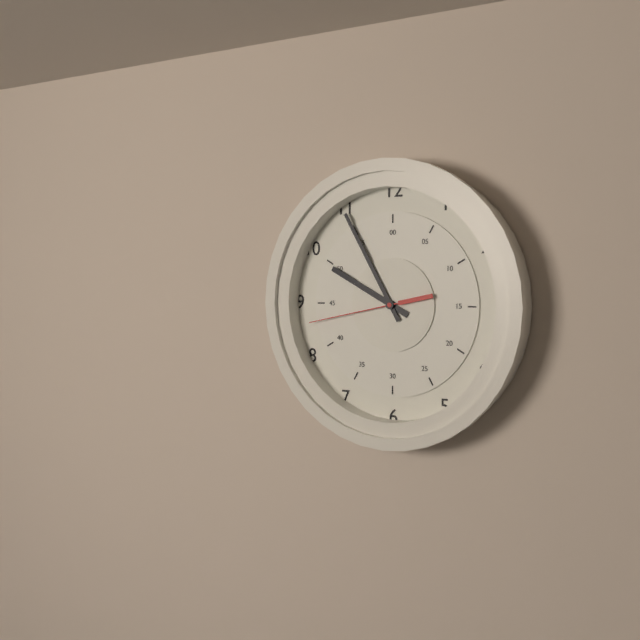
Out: {"hour": 9, "minute": 55, "second": 43}
